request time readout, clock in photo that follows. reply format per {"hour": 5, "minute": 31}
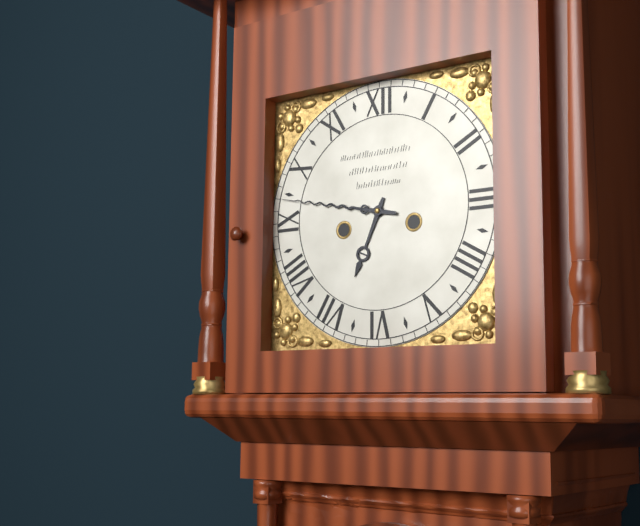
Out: {"hour": 6, "minute": 47}
